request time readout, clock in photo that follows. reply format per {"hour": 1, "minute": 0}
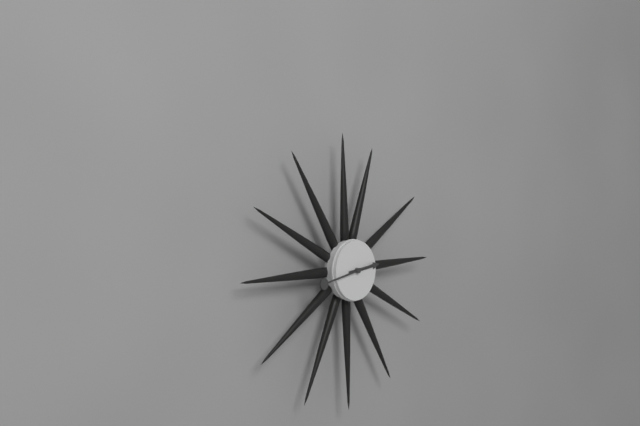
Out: {"hour": 2, "minute": 43}
